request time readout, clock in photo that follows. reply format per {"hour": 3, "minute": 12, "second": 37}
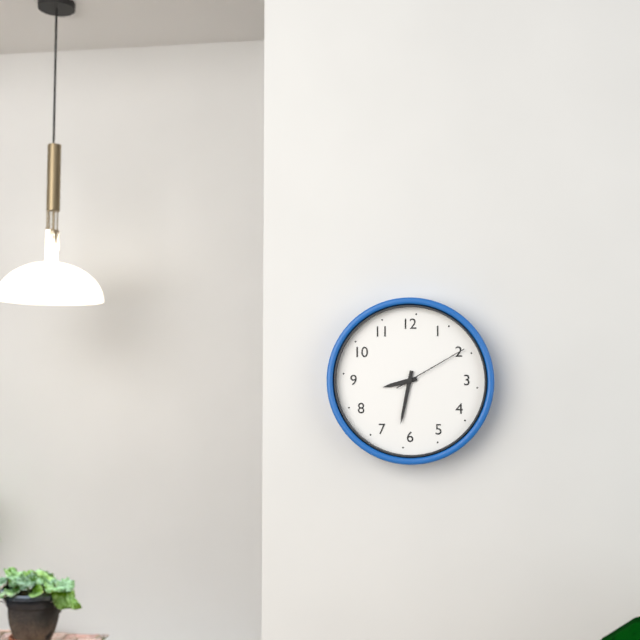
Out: {"hour": 8, "minute": 32, "second": 10}
